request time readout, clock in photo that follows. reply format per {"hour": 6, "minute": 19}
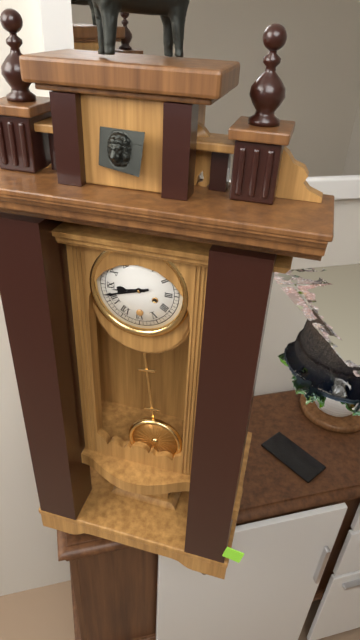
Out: {"hour": 8, "minute": 42}
